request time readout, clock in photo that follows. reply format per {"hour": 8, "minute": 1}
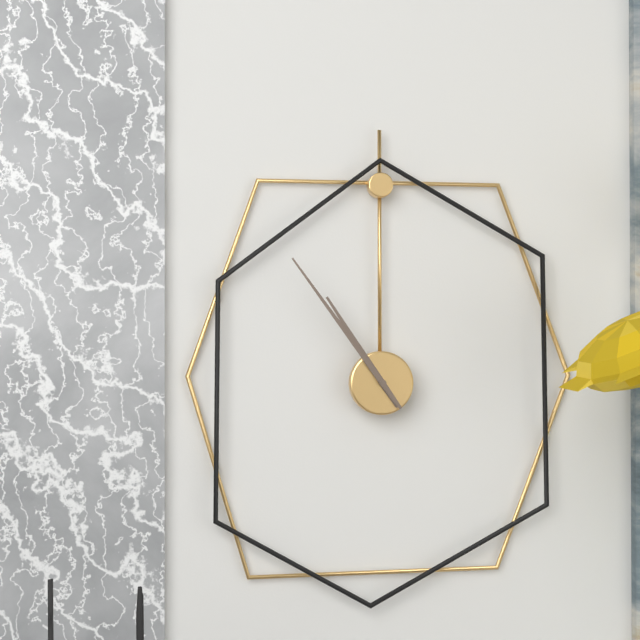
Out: {"hour": 10, "minute": 54}
